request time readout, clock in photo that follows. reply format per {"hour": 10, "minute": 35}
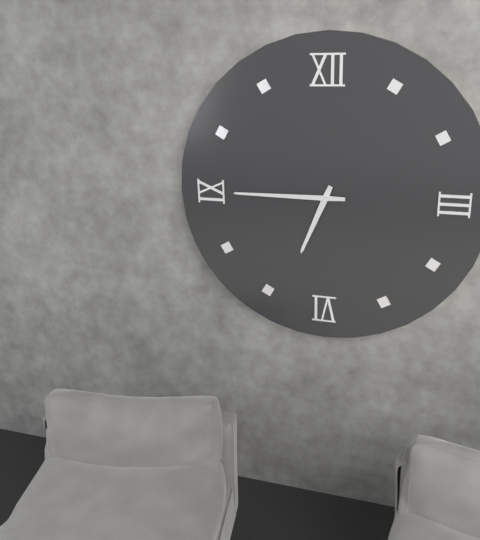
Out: {"hour": 6, "minute": 45}
